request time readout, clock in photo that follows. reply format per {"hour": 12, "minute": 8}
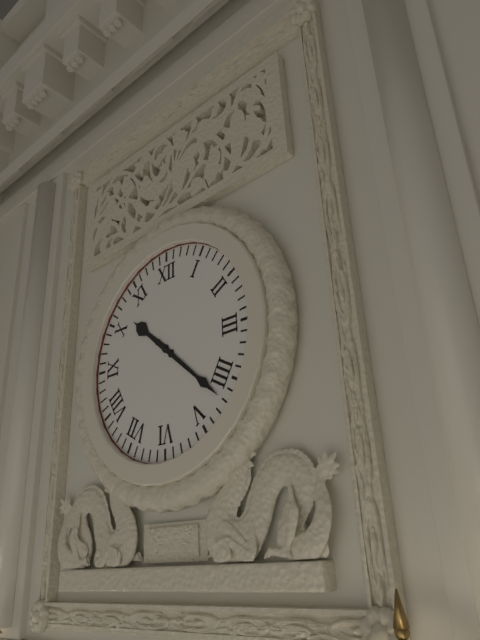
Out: {"hour": 10, "minute": 22}
